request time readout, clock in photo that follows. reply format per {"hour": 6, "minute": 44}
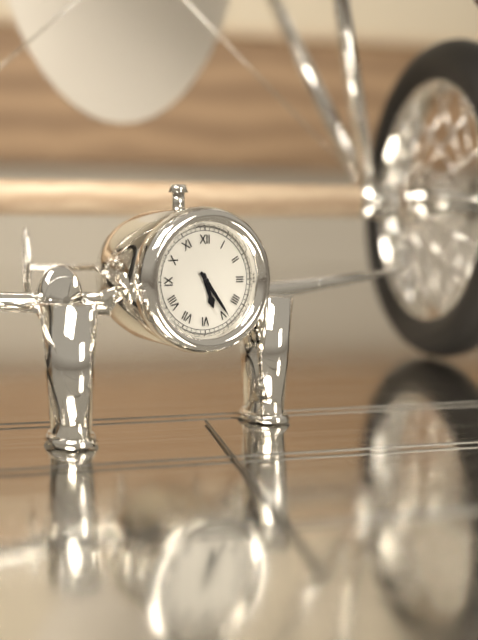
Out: {"hour": 5, "minute": 24}
